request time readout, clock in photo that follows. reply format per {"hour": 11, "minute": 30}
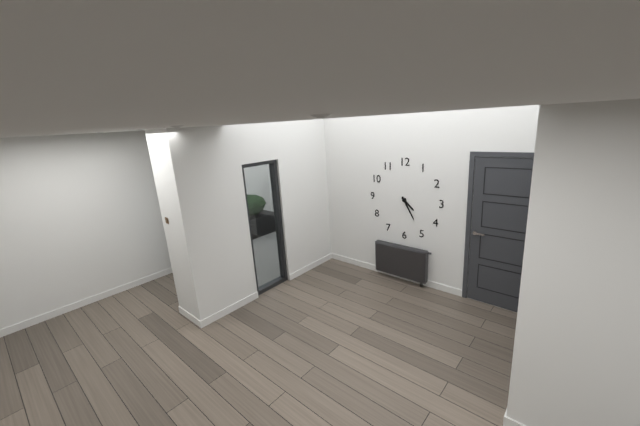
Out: {"hour": 4, "minute": 25}
